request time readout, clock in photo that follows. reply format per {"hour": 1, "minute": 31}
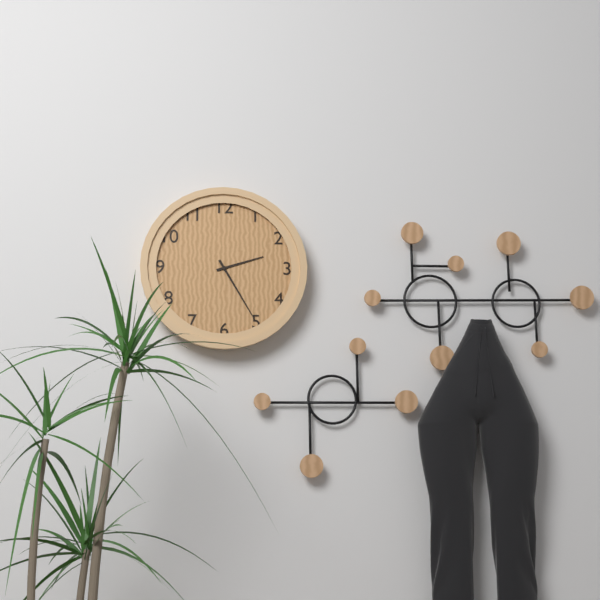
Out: {"hour": 2, "minute": 25}
